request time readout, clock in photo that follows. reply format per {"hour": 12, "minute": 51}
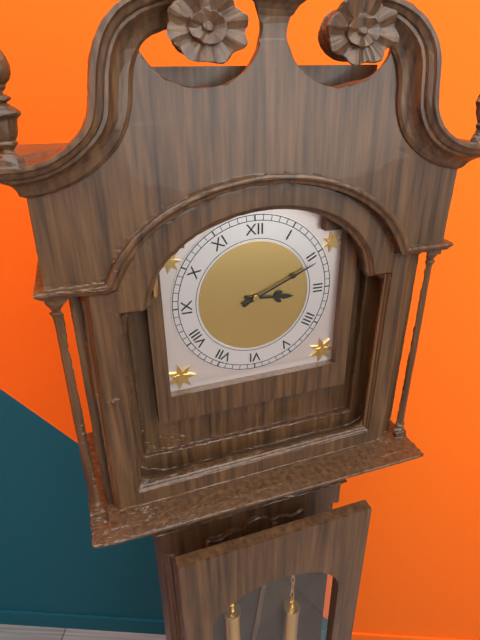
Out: {"hour": 3, "minute": 11}
